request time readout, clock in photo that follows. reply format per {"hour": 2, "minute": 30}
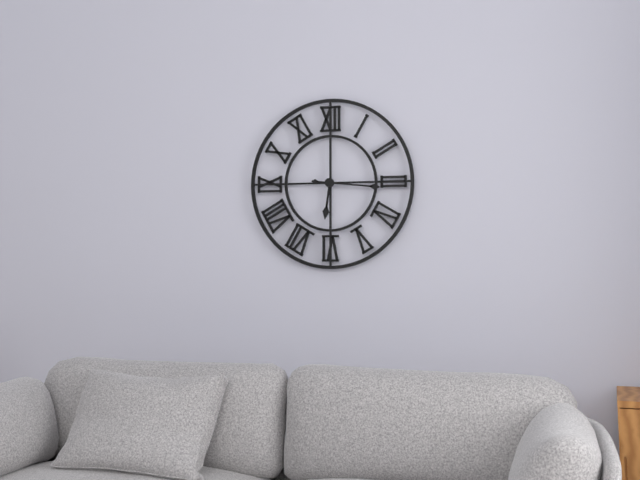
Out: {"hour": 6, "minute": 16}
